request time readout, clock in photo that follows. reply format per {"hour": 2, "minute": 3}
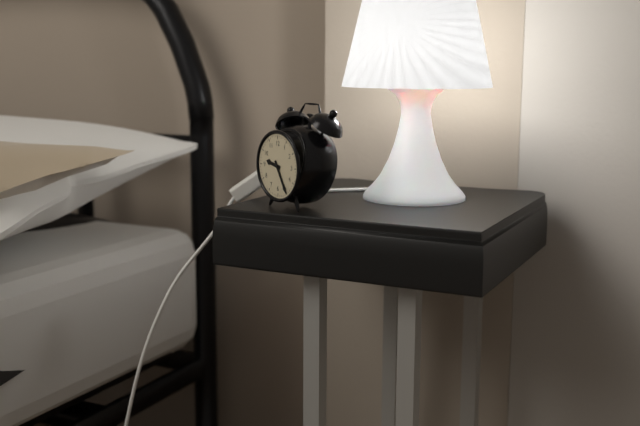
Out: {"hour": 9, "minute": 25}
